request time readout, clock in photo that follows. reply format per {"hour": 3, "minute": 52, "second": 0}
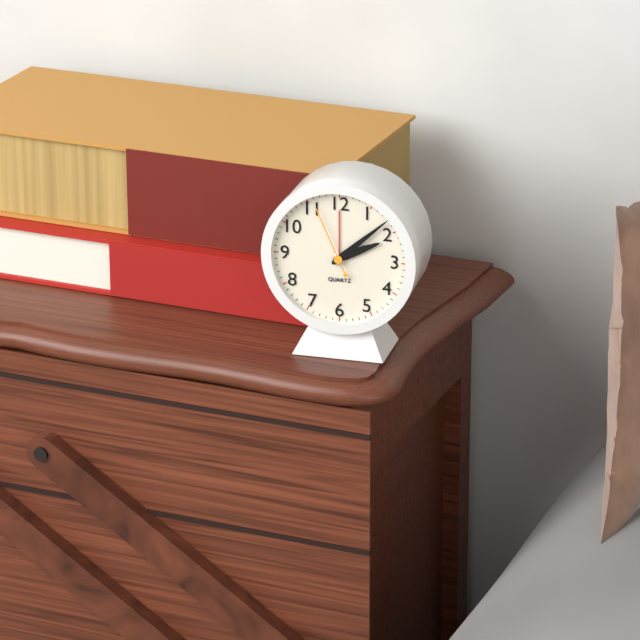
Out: {"hour": 2, "minute": 8, "second": 56}
